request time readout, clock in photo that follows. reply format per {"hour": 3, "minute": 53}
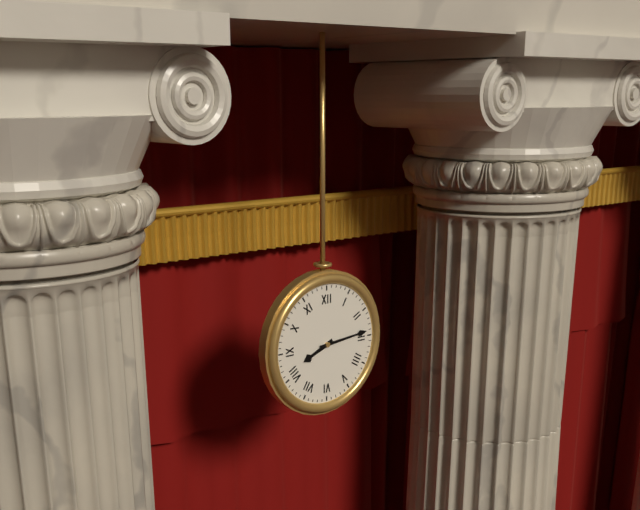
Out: {"hour": 8, "minute": 14}
